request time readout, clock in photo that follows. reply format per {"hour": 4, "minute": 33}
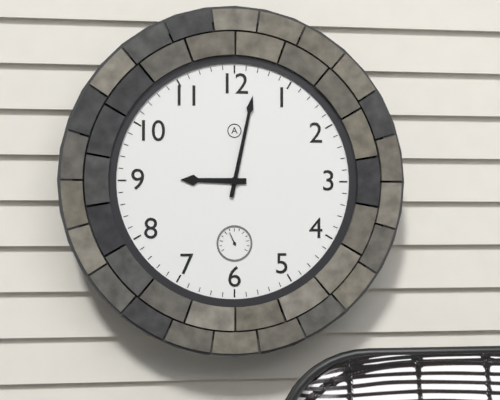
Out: {"hour": 9, "minute": 2}
